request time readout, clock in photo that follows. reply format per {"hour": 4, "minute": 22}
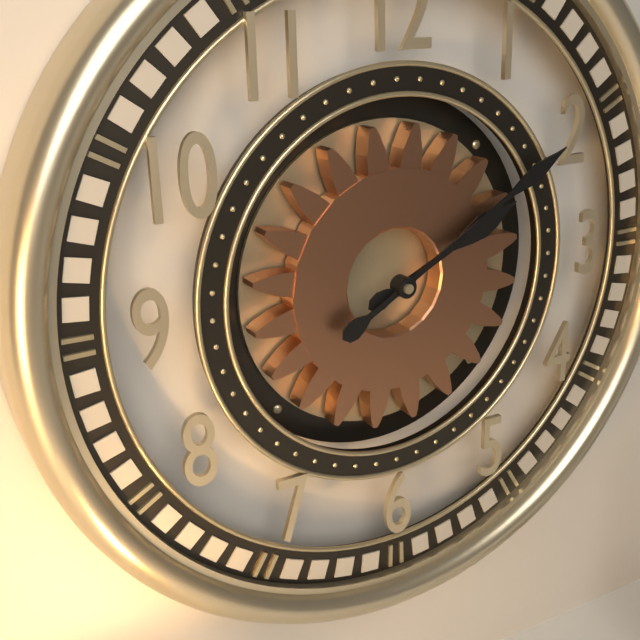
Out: {"hour": 2, "minute": 10}
